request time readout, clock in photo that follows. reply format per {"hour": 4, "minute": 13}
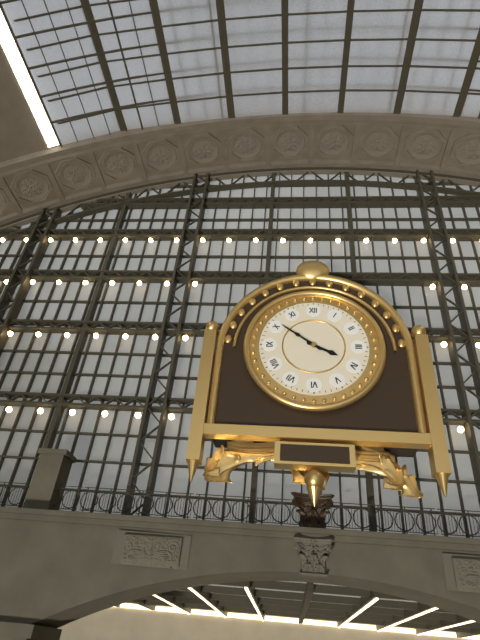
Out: {"hour": 3, "minute": 51}
